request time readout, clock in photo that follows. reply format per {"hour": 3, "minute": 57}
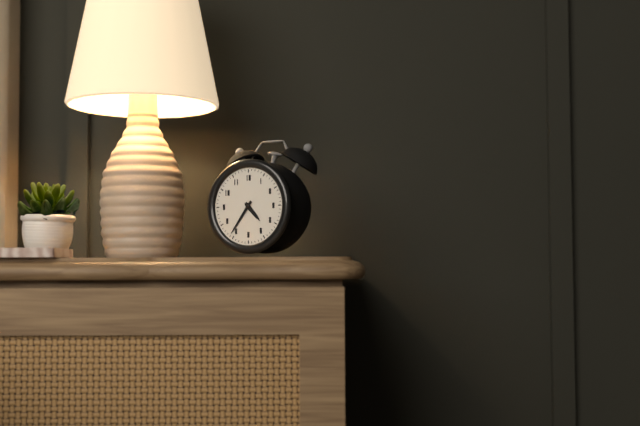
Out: {"hour": 4, "minute": 36}
